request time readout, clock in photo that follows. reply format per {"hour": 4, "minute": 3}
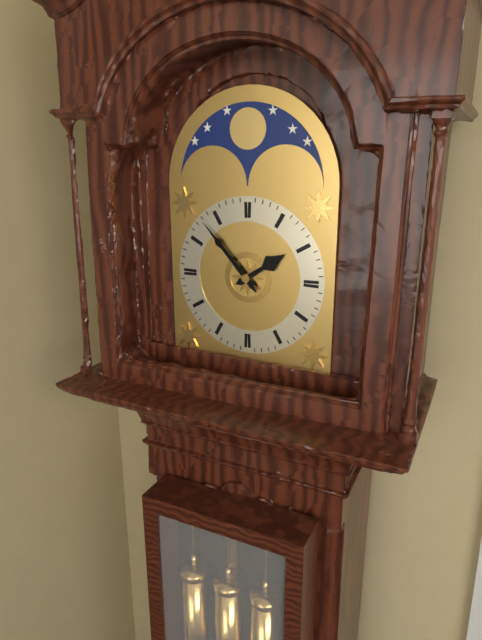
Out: {"hour": 1, "minute": 53}
